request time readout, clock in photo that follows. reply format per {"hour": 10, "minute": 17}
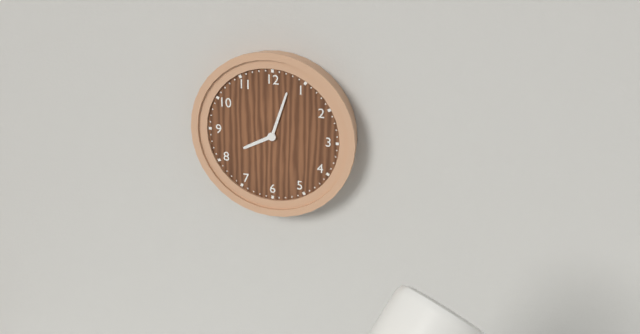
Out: {"hour": 8, "minute": 3}
